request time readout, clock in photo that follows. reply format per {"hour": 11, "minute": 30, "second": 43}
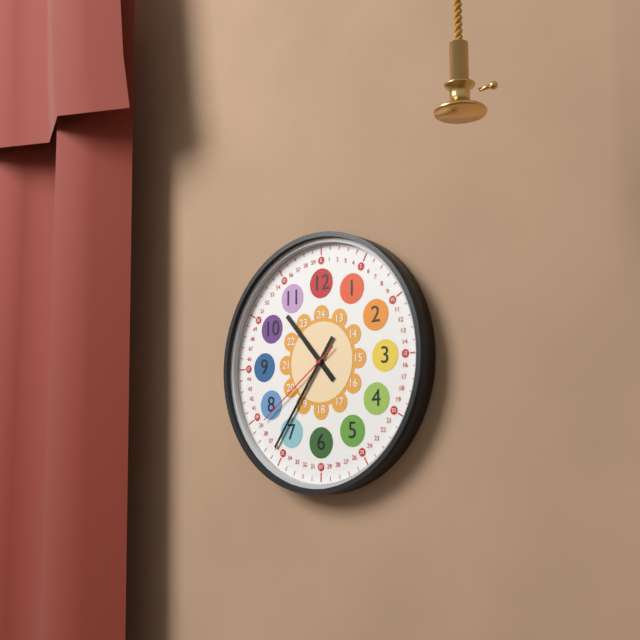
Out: {"hour": 10, "minute": 36, "second": 39}
